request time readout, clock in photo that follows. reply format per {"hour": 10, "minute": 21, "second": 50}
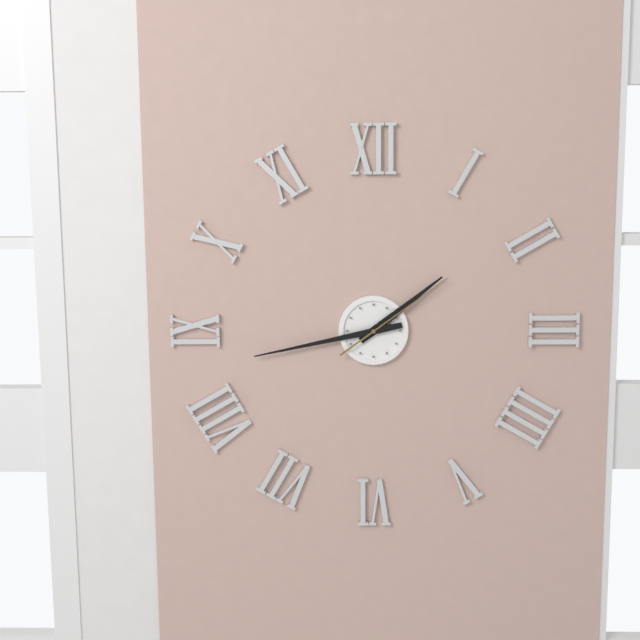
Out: {"hour": 1, "minute": 43, "second": 9}
